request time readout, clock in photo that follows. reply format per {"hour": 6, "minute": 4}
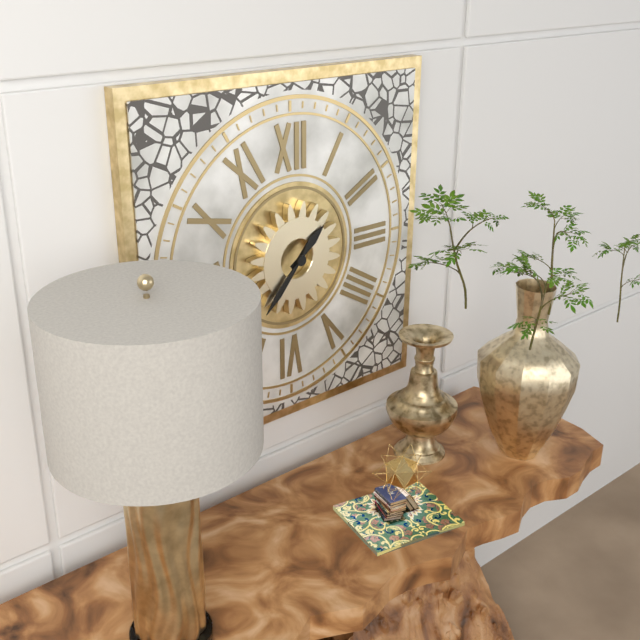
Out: {"hour": 1, "minute": 37}
